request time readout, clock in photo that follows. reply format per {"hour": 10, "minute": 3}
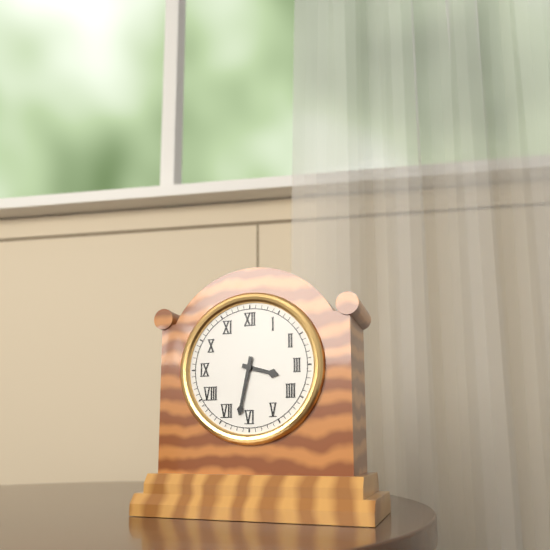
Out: {"hour": 3, "minute": 32}
